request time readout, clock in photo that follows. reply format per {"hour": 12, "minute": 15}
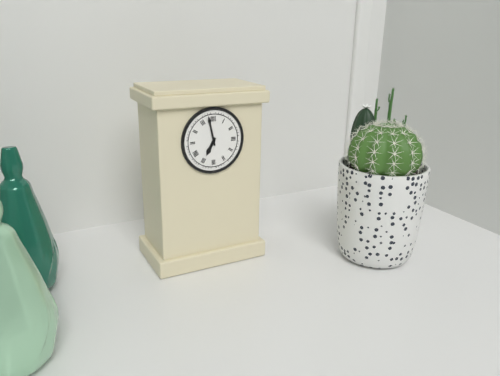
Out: {"hour": 6, "minute": 58}
